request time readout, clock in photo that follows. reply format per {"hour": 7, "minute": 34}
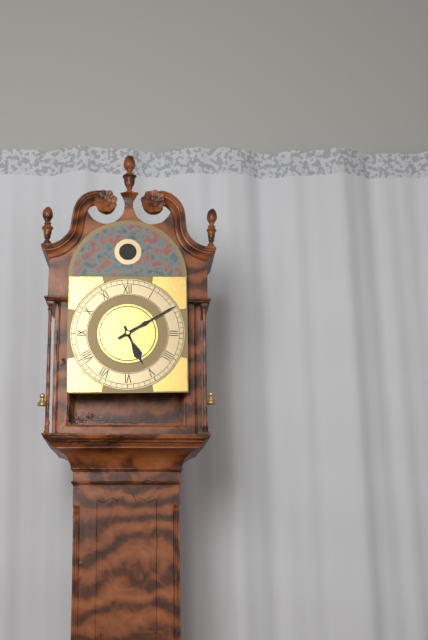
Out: {"hour": 5, "minute": 10}
